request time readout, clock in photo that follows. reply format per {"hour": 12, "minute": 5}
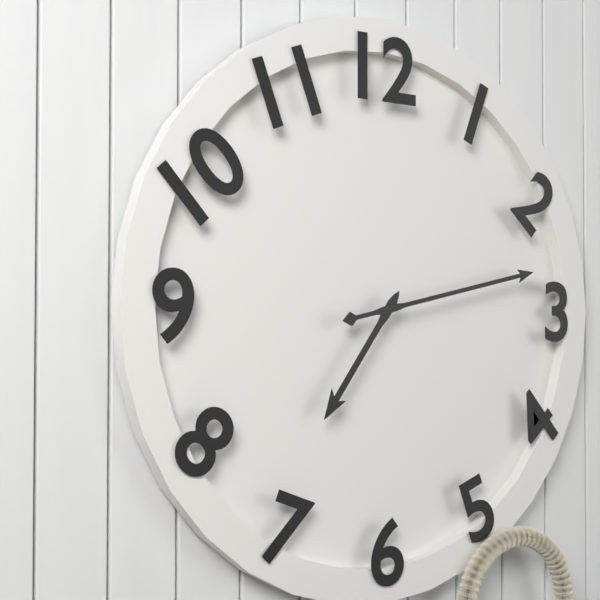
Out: {"hour": 7, "minute": 13}
